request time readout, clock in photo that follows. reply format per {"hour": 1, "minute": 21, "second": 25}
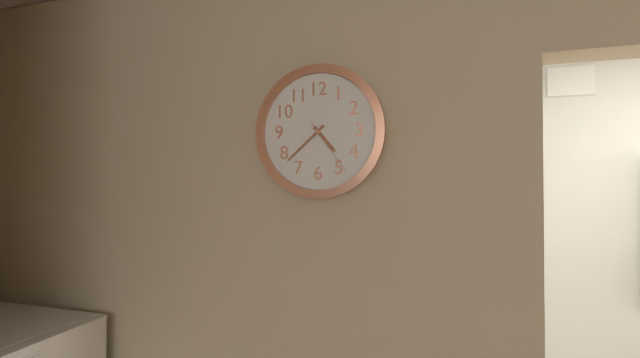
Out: {"hour": 4, "minute": 38, "second": 24}
